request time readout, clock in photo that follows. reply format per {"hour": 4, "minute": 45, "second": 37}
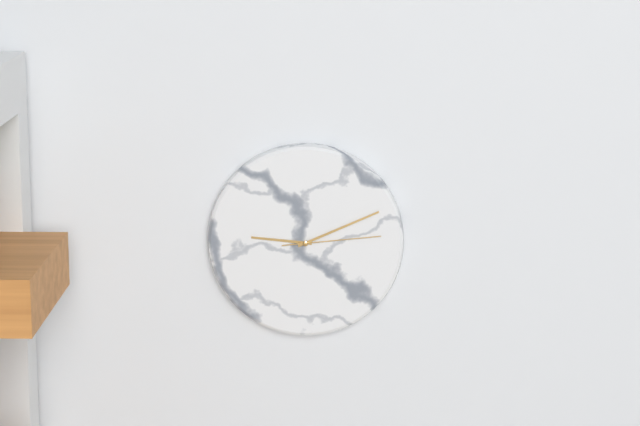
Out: {"hour": 9, "minute": 11, "second": 14}
